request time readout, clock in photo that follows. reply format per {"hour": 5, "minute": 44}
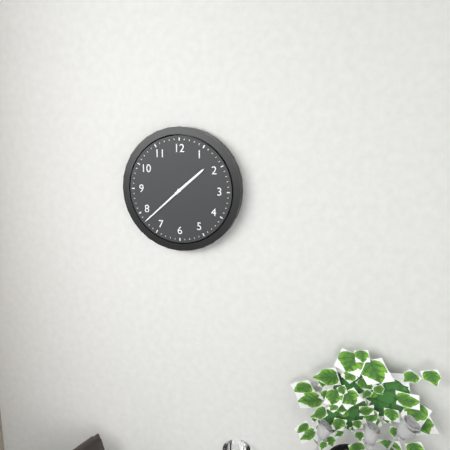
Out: {"hour": 1, "minute": 38}
